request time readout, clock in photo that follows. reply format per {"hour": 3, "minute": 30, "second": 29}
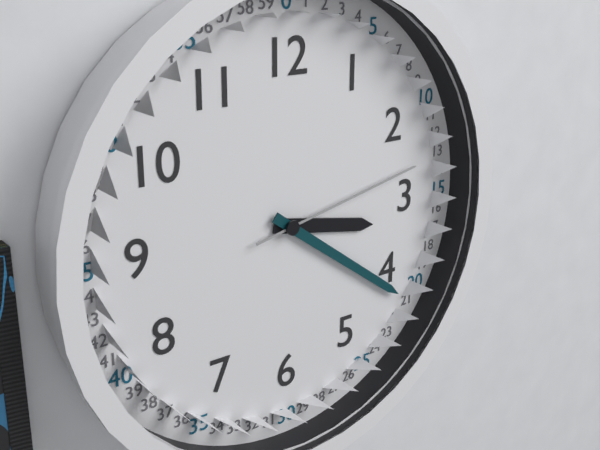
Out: {"hour": 3, "minute": 21, "second": 13}
